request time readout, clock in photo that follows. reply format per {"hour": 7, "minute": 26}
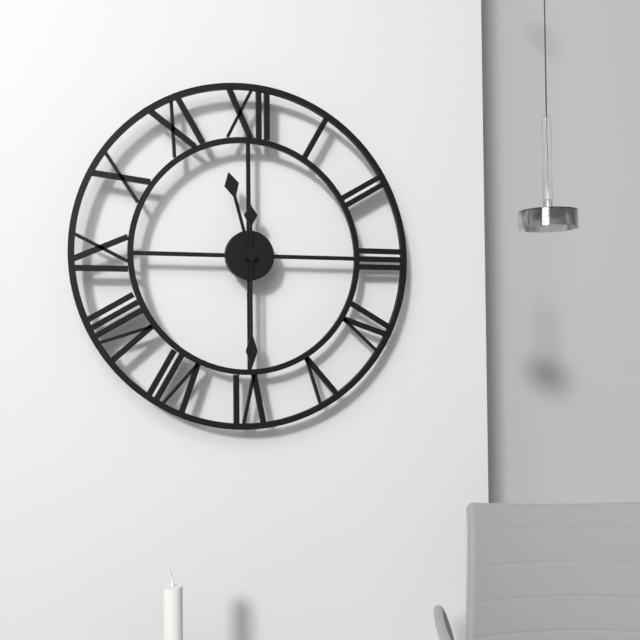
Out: {"hour": 11, "minute": 30}
